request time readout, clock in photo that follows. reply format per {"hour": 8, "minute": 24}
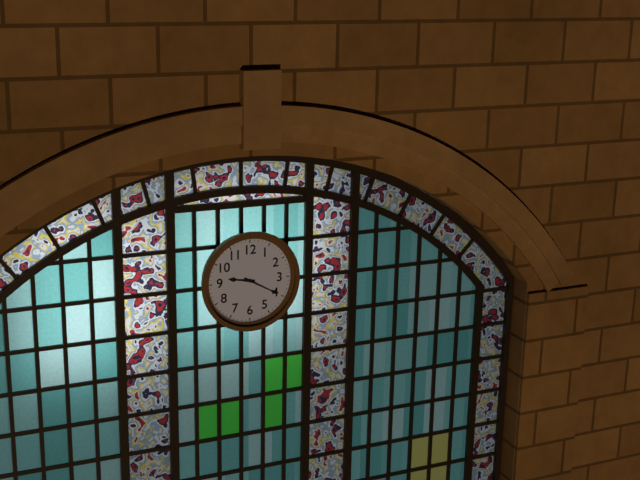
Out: {"hour": 9, "minute": 20}
